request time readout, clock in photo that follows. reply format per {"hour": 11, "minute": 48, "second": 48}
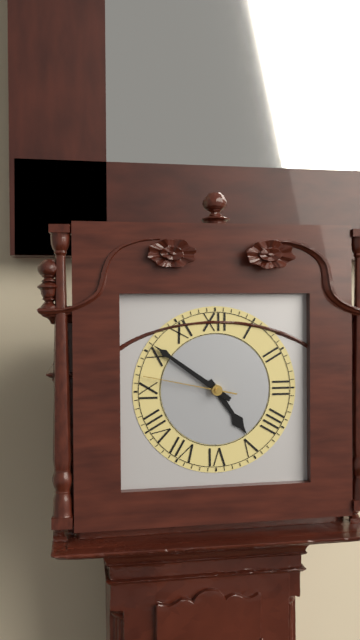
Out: {"hour": 4, "minute": 51, "second": 47}
